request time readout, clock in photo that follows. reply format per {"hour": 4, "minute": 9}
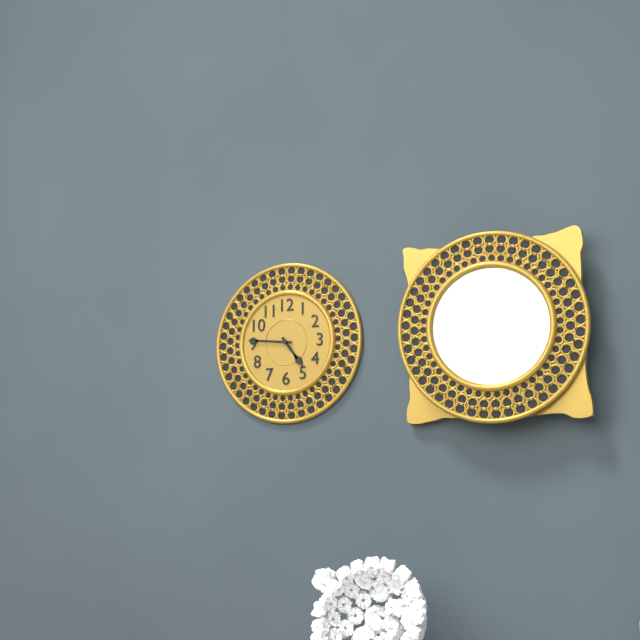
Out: {"hour": 4, "minute": 46}
